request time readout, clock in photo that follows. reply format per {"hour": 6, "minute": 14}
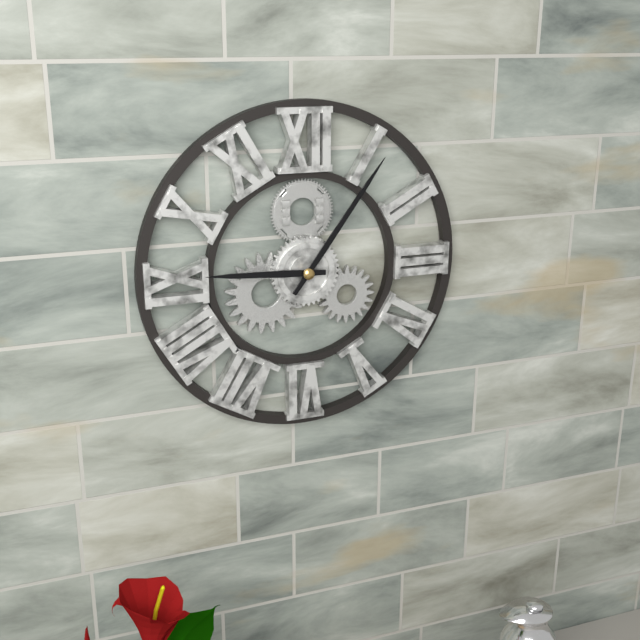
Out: {"hour": 9, "minute": 6}
